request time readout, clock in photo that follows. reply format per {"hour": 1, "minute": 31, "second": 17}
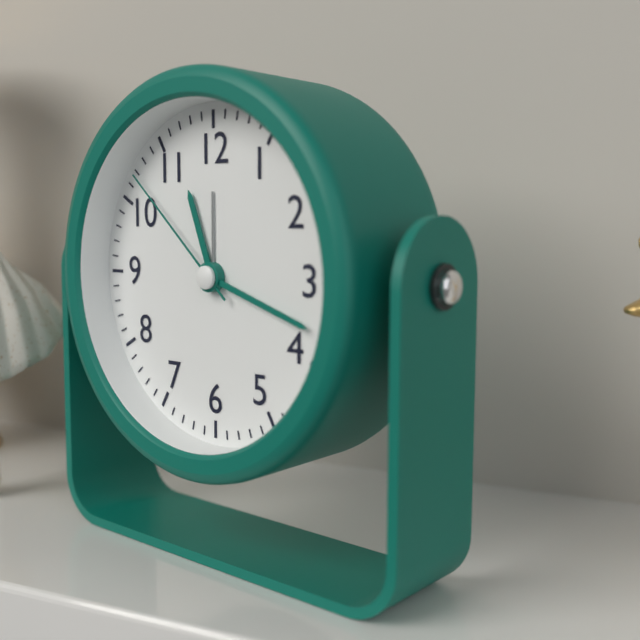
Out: {"hour": 11, "minute": 18, "second": 52}
